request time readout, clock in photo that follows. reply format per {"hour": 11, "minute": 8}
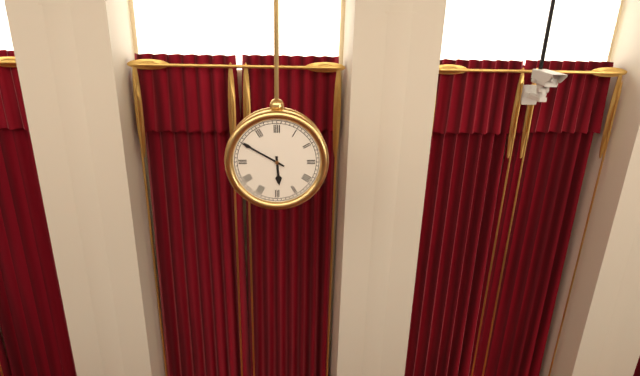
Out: {"hour": 5, "minute": 50}
